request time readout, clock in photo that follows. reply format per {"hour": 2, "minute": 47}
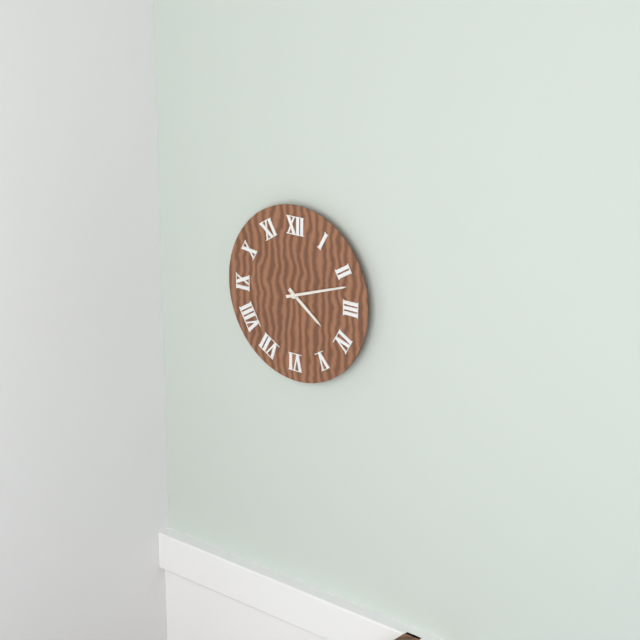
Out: {"hour": 4, "minute": 12}
